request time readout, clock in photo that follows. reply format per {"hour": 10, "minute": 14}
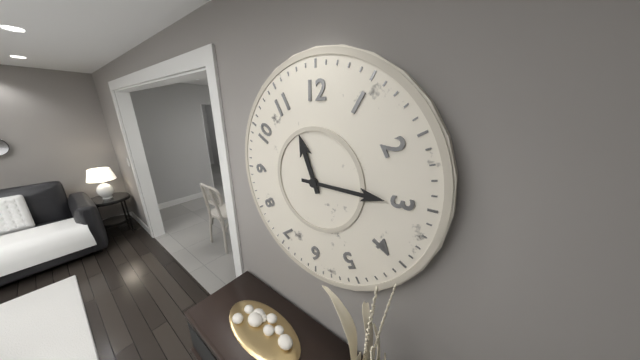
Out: {"hour": 11, "minute": 15}
